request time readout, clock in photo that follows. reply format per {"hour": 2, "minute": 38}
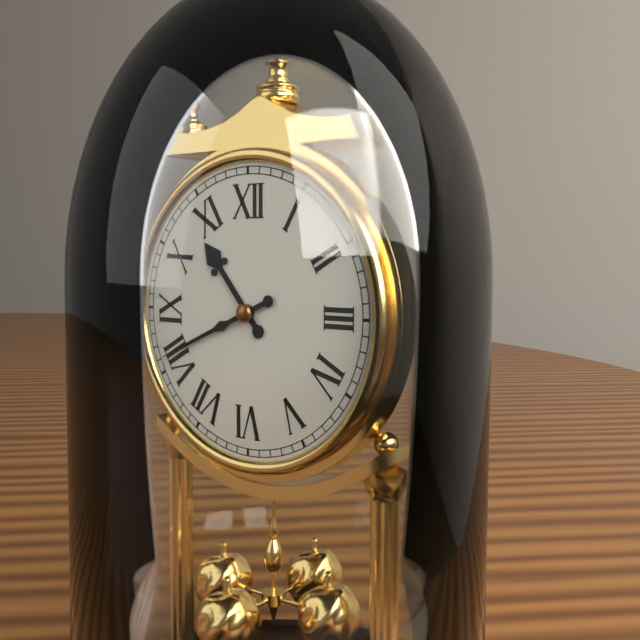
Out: {"hour": 10, "minute": 41}
